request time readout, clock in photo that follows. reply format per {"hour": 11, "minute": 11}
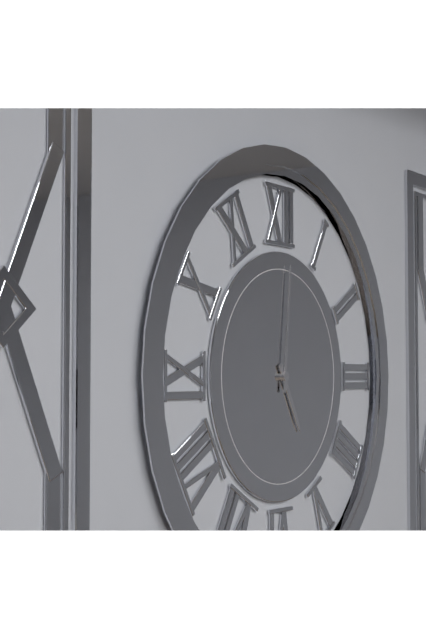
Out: {"hour": 5, "minute": 1}
